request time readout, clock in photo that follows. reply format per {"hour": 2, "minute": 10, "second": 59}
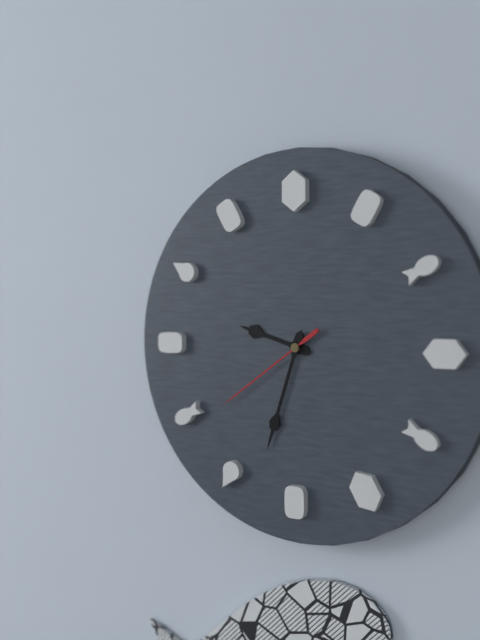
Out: {"hour": 9, "minute": 33, "second": 39}
